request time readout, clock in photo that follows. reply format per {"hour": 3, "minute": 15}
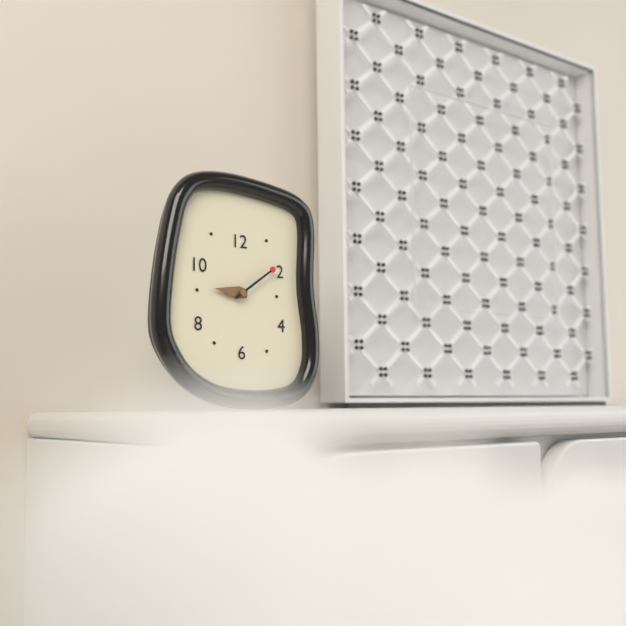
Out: {"hour": 9, "minute": 9}
